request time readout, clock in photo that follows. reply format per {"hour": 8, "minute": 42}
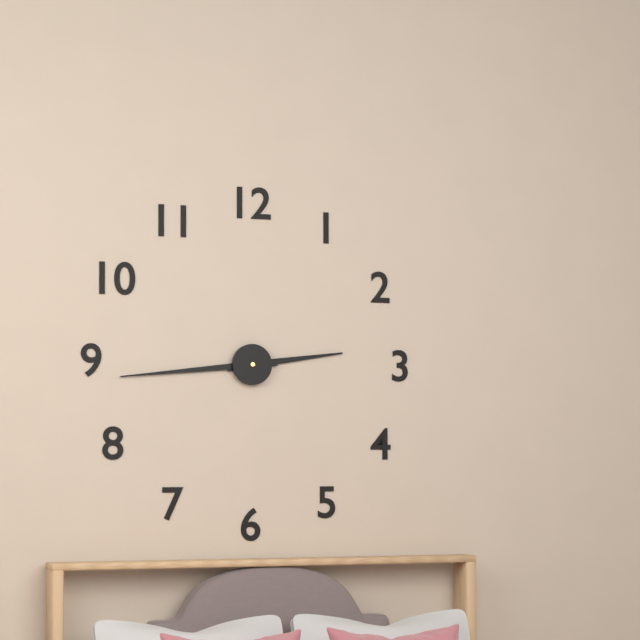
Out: {"hour": 2, "minute": 44}
